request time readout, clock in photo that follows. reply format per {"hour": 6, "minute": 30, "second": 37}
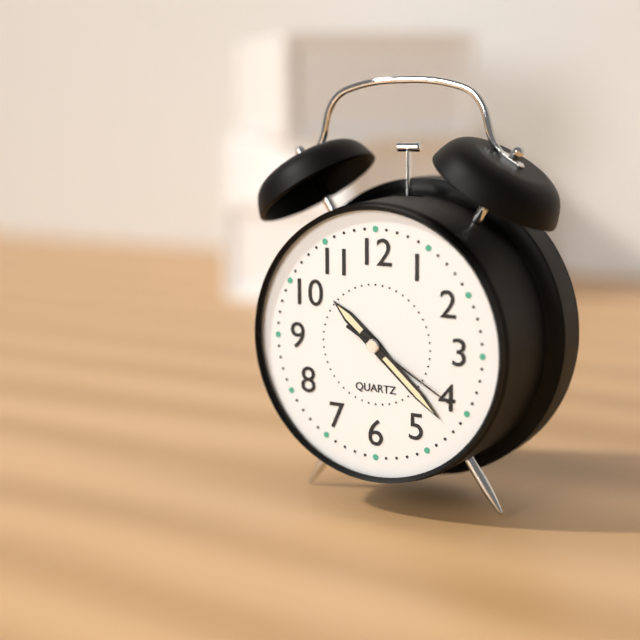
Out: {"hour": 10, "minute": 22, "second": 20}
